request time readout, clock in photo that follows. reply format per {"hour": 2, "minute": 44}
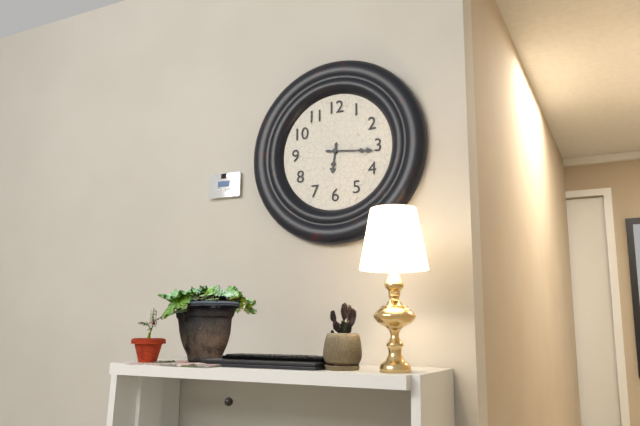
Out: {"hour": 6, "minute": 16}
